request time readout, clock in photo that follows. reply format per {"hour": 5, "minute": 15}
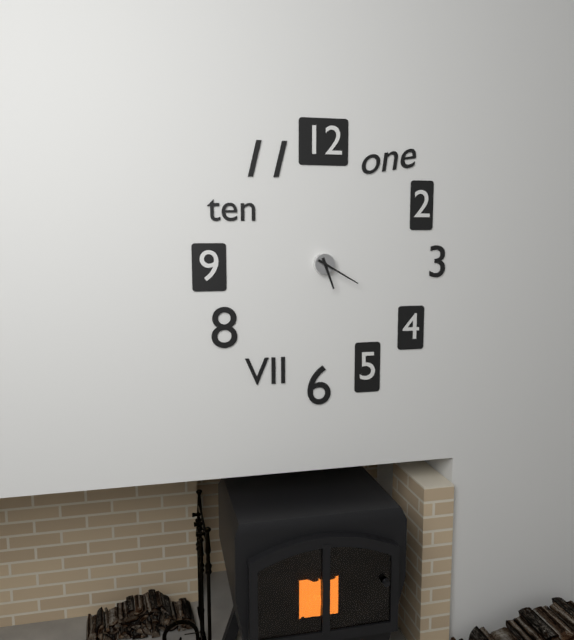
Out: {"hour": 5, "minute": 20}
